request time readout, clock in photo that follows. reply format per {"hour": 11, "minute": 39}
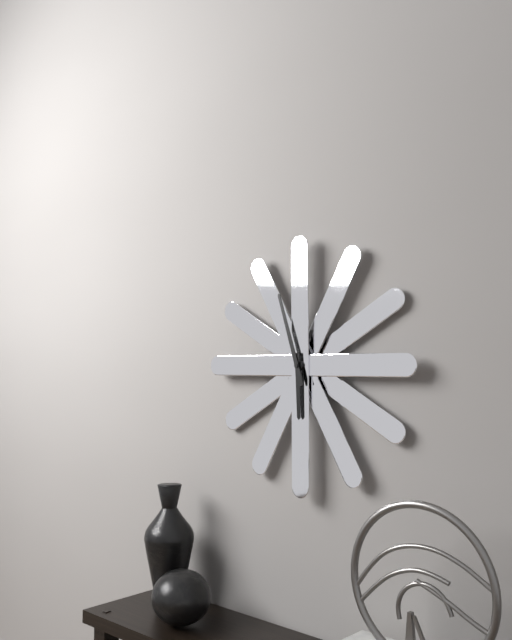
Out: {"hour": 5, "minute": 57}
